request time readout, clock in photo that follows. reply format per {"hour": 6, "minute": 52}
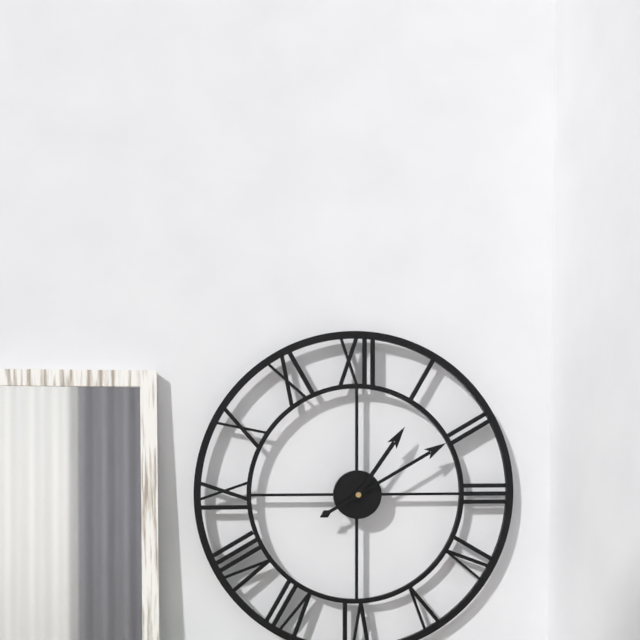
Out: {"hour": 1, "minute": 10}
